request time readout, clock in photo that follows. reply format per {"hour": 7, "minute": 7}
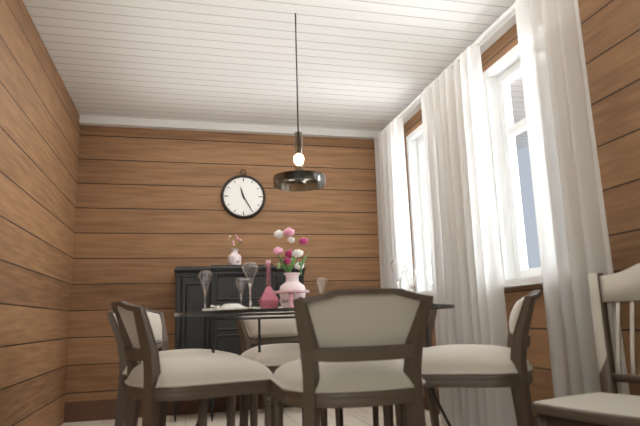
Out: {"hour": 11, "minute": 25}
